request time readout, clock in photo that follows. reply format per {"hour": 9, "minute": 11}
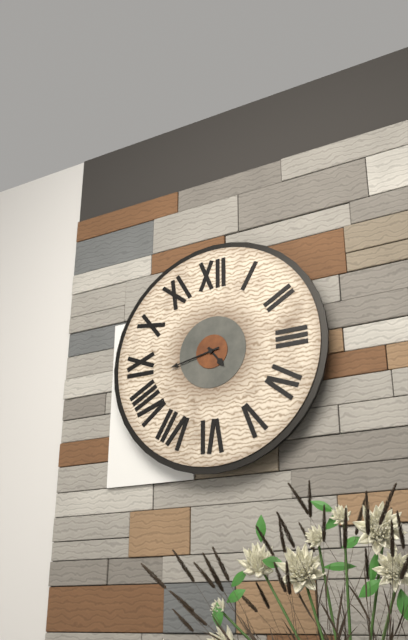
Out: {"hour": 4, "minute": 43}
